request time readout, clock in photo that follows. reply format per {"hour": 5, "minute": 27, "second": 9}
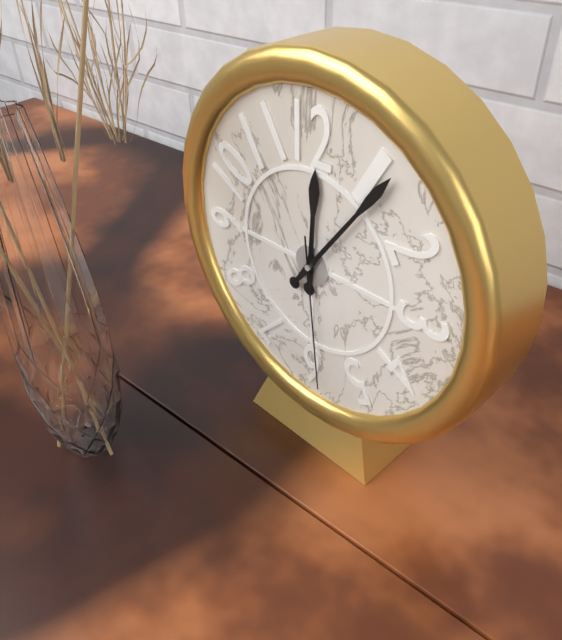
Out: {"hour": 12, "minute": 6, "second": 29}
